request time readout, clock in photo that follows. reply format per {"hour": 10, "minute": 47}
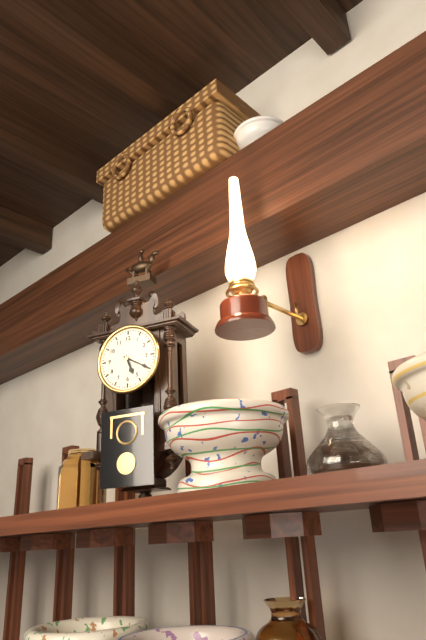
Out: {"hour": 5, "minute": 20}
